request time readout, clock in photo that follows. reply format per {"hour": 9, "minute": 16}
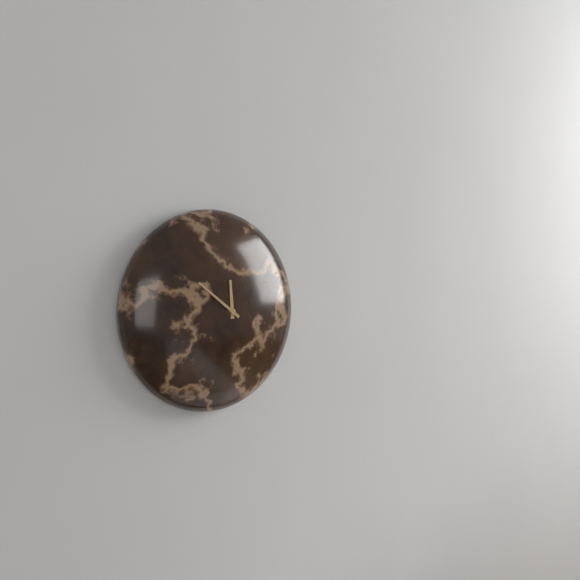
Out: {"hour": 11, "minute": 51}
